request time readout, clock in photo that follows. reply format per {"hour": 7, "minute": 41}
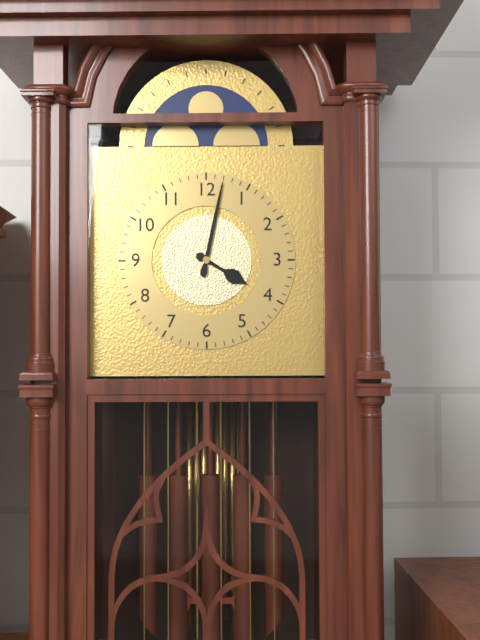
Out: {"hour": 4, "minute": 2}
